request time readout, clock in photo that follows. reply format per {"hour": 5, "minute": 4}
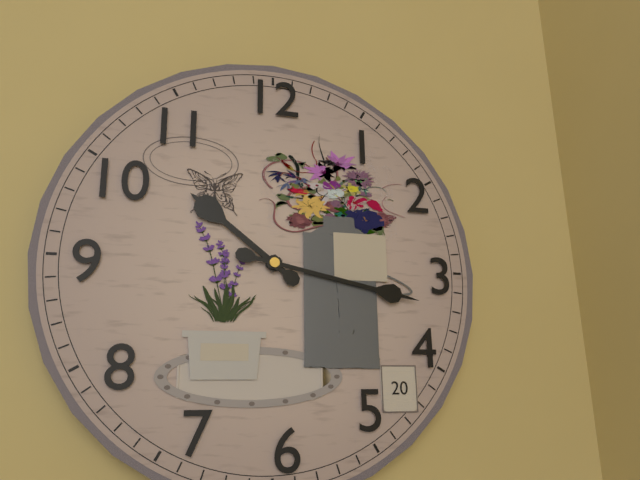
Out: {"hour": 10, "minute": 17}
